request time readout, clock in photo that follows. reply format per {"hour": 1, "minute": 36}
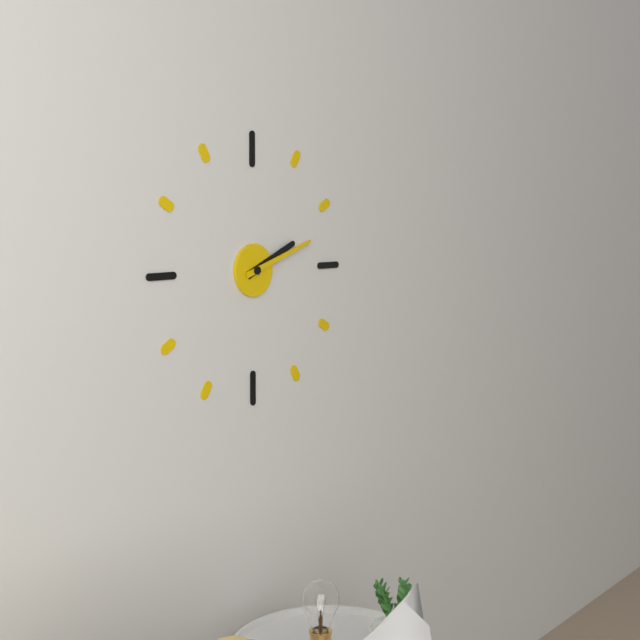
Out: {"hour": 2, "minute": 12}
